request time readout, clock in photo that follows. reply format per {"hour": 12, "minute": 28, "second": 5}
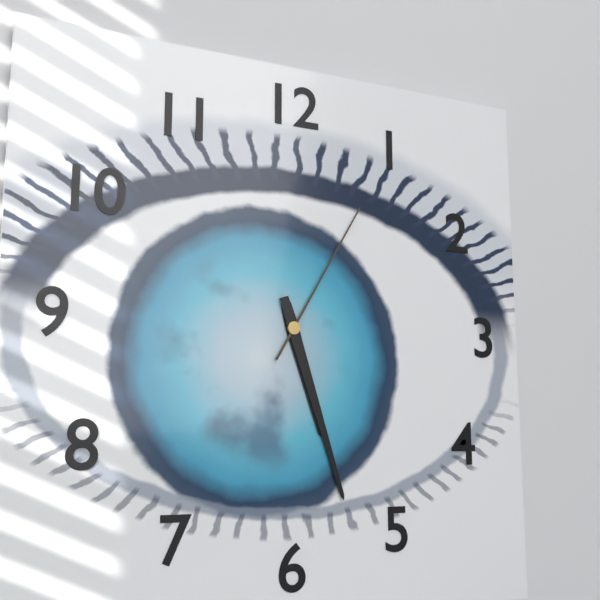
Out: {"hour": 5, "minute": 27, "second": 5}
